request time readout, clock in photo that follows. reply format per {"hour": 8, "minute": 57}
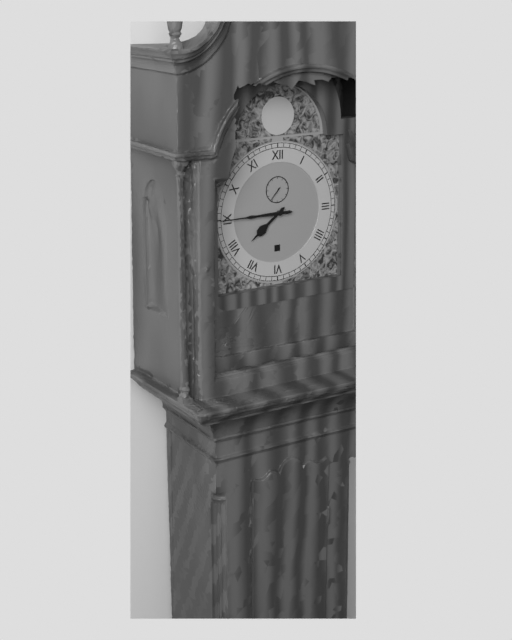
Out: {"hour": 7, "minute": 45}
